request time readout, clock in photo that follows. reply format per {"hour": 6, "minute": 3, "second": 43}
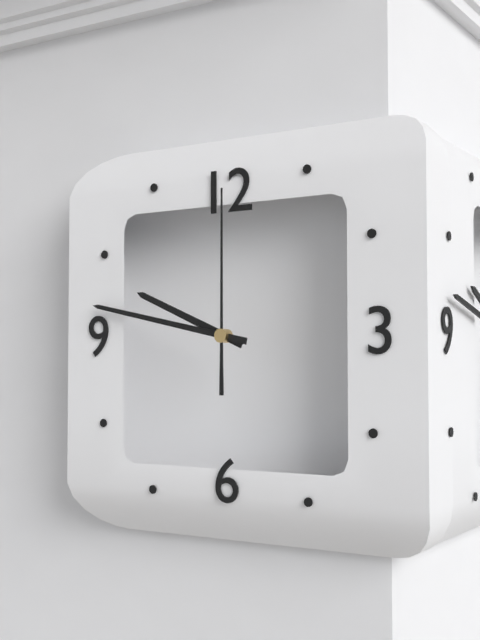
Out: {"hour": 9, "minute": 47, "second": 0}
